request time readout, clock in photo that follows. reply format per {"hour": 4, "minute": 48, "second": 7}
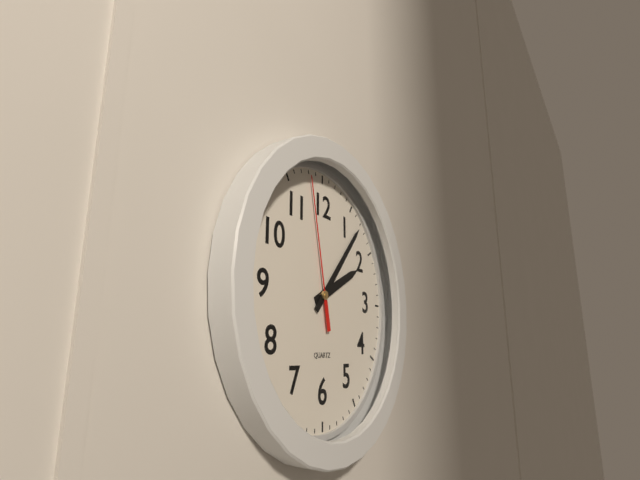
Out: {"hour": 2, "minute": 7, "second": 58}
